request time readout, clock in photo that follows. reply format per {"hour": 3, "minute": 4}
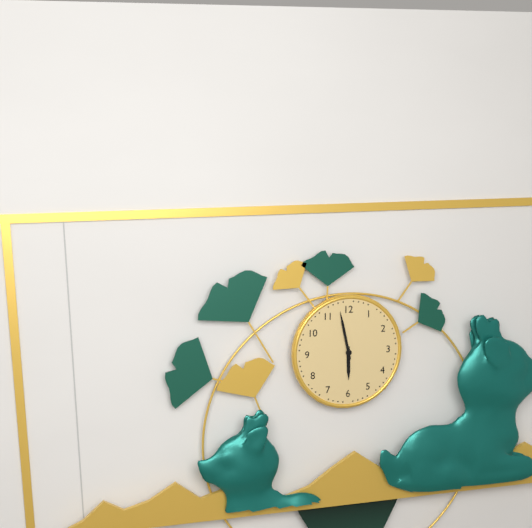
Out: {"hour": 5, "minute": 58}
